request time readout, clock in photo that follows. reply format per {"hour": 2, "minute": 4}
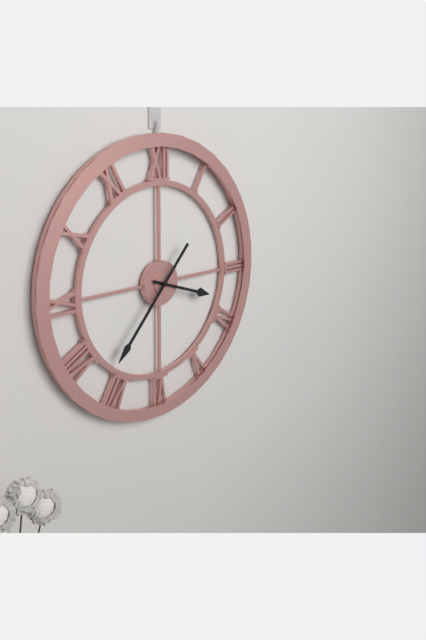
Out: {"hour": 3, "minute": 37}
